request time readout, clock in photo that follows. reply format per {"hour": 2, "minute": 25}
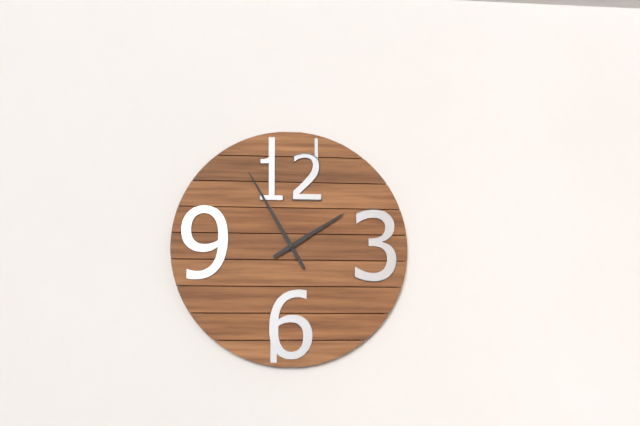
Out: {"hour": 1, "minute": 55}
